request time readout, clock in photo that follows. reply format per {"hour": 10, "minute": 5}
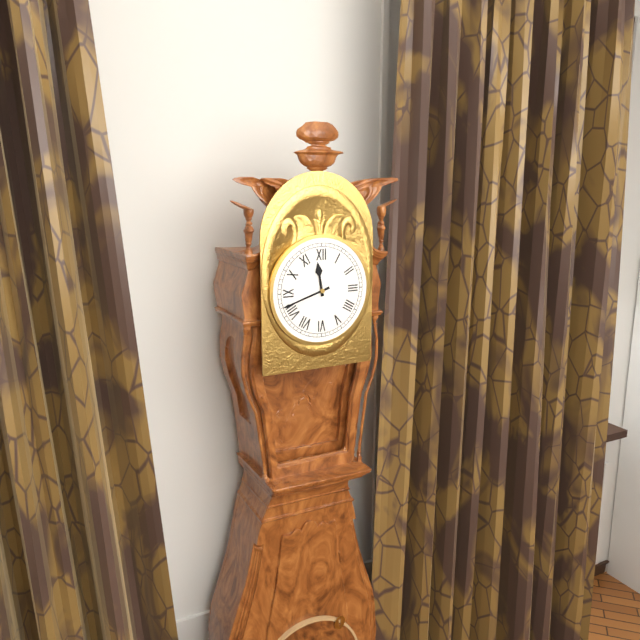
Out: {"hour": 11, "minute": 42}
